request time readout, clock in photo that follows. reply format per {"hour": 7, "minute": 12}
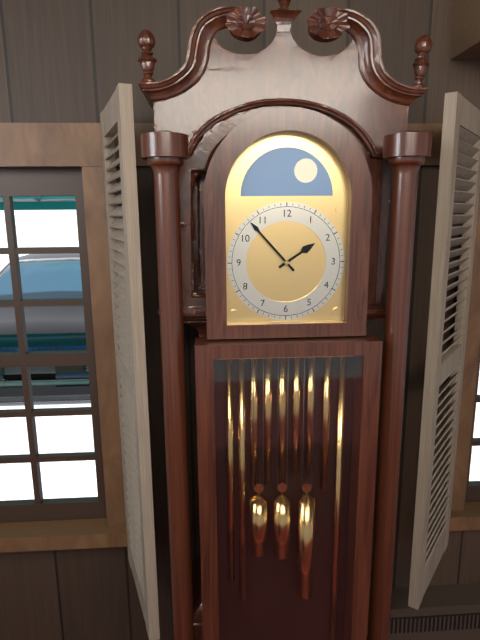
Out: {"hour": 1, "minute": 53}
